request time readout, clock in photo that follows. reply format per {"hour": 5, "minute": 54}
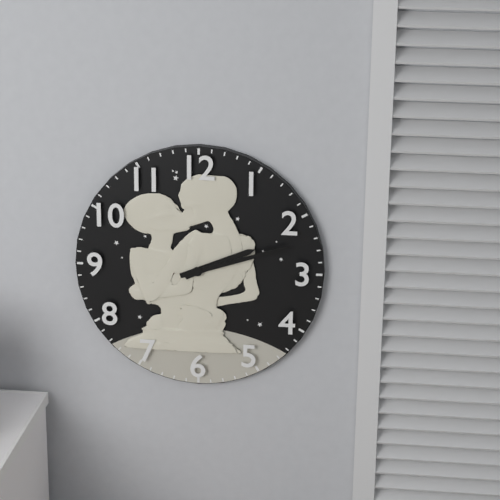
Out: {"hour": 2, "minute": 12}
